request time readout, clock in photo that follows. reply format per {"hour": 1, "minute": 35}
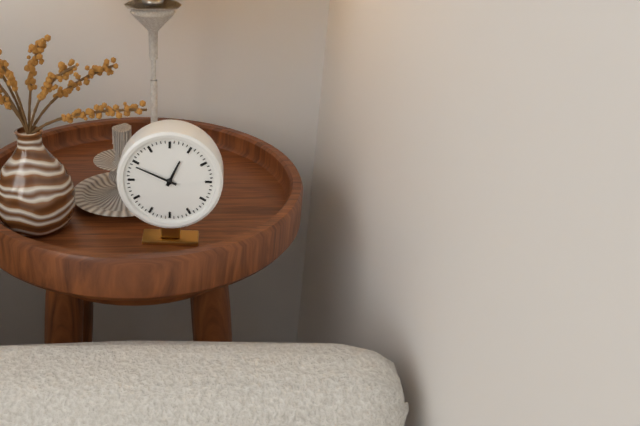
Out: {"hour": 12, "minute": 49}
